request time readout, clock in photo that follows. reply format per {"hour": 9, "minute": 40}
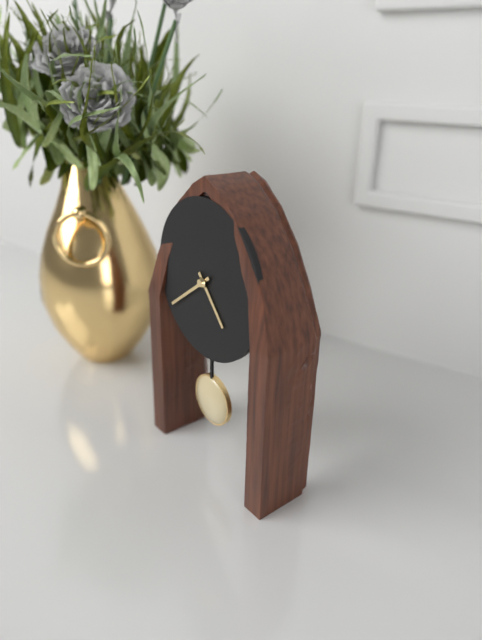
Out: {"hour": 4, "minute": 39}
